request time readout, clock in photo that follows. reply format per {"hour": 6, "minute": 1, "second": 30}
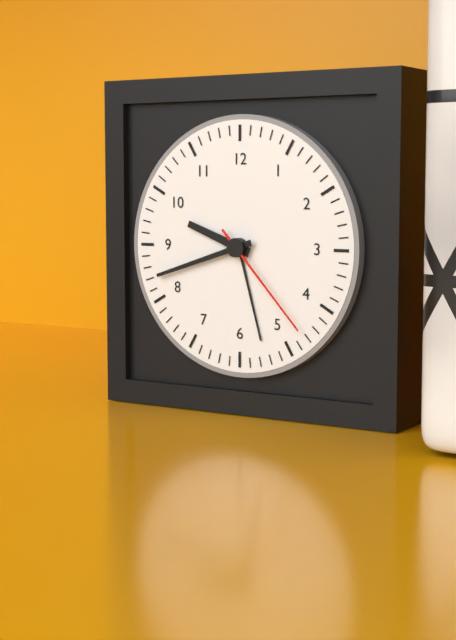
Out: {"hour": 9, "minute": 42, "second": 23}
